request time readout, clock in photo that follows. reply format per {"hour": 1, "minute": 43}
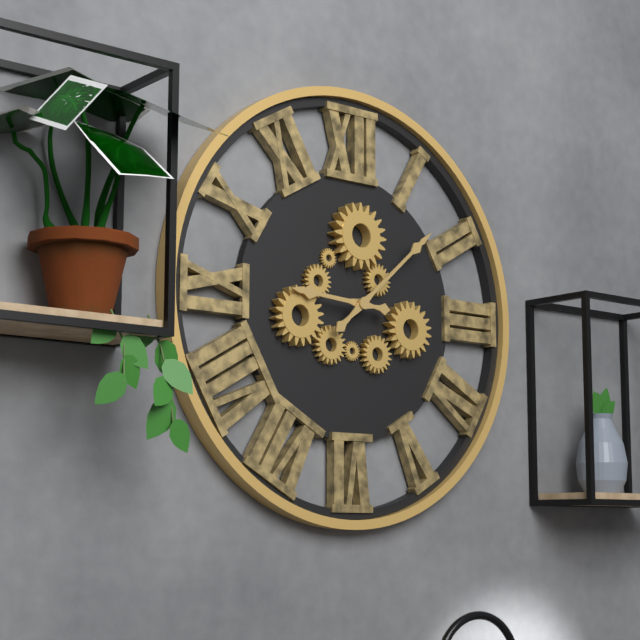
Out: {"hour": 9, "minute": 8}
